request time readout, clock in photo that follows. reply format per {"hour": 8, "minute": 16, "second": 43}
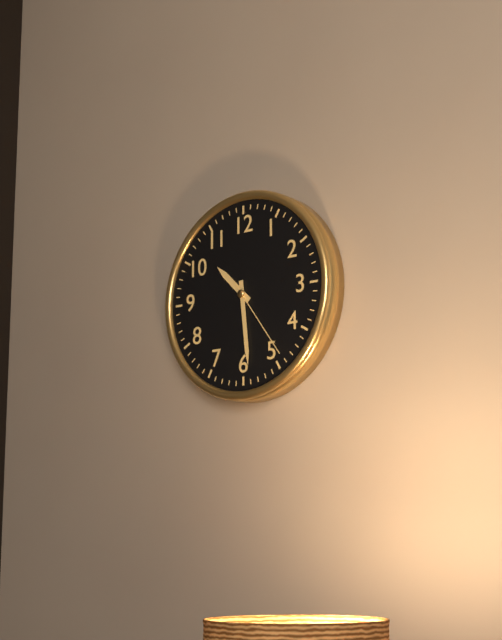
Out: {"hour": 10, "minute": 29, "second": 24}
